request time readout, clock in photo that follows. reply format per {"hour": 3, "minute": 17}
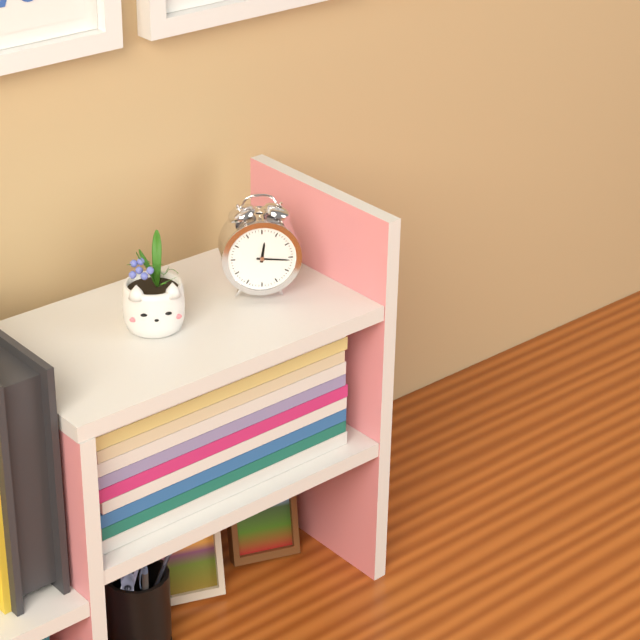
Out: {"hour": 12, "minute": 16}
